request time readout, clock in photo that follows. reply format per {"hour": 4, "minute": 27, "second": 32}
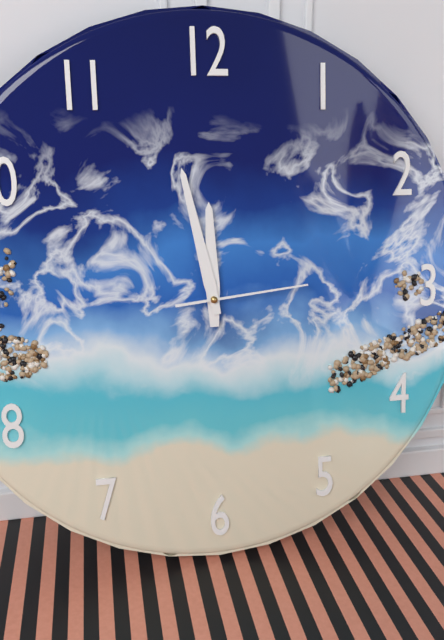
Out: {"hour": 11, "minute": 58, "second": 14}
